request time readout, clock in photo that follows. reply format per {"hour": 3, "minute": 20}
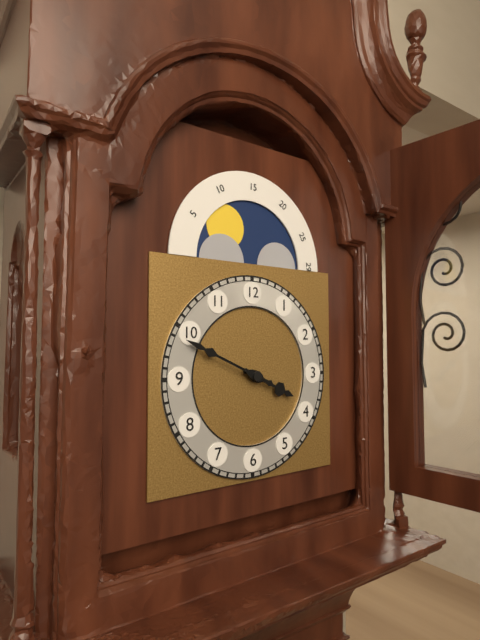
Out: {"hour": 3, "minute": 49}
